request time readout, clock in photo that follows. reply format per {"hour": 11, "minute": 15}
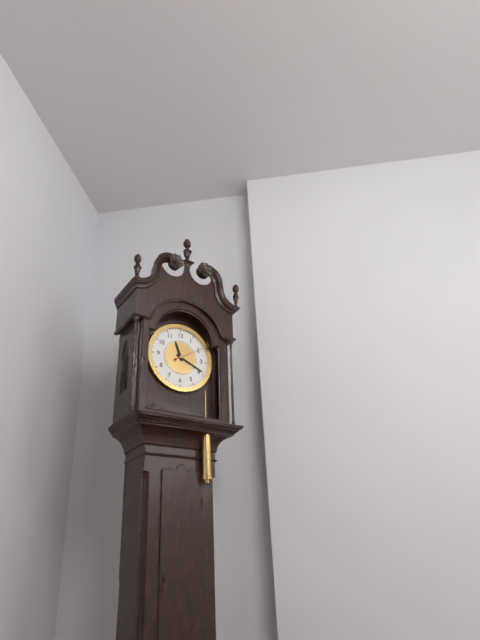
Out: {"hour": 11, "minute": 19}
